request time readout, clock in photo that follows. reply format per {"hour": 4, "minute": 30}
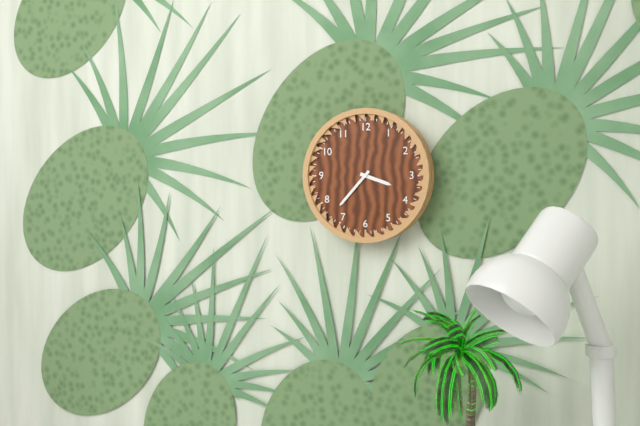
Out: {"hour": 3, "minute": 37}
